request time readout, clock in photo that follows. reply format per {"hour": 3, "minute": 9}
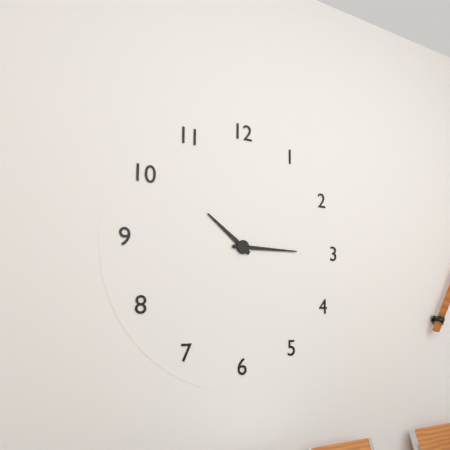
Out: {"hour": 10, "minute": 15}
